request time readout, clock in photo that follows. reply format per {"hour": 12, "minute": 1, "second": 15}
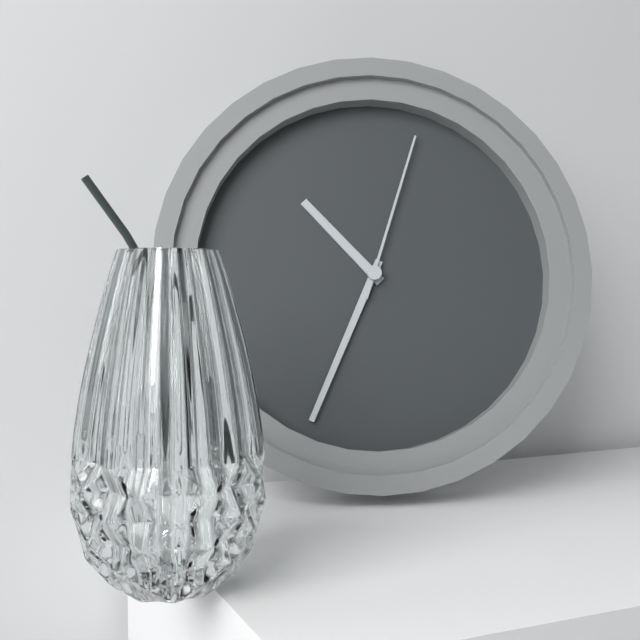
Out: {"hour": 10, "minute": 34, "second": 3}
